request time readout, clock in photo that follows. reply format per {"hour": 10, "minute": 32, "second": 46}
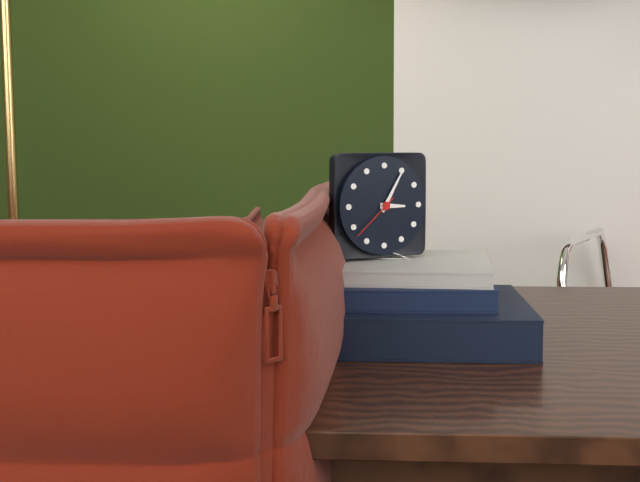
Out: {"hour": 3, "minute": 5, "second": 38}
